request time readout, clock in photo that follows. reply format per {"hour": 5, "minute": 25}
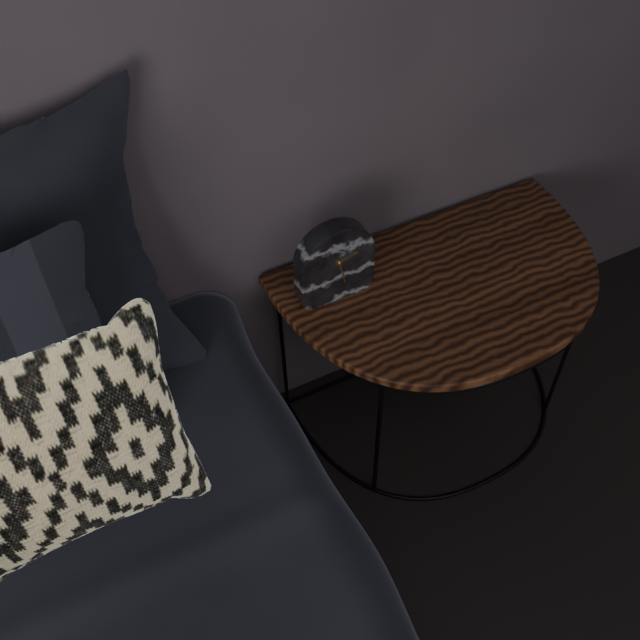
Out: {"hour": 2, "minute": 28}
